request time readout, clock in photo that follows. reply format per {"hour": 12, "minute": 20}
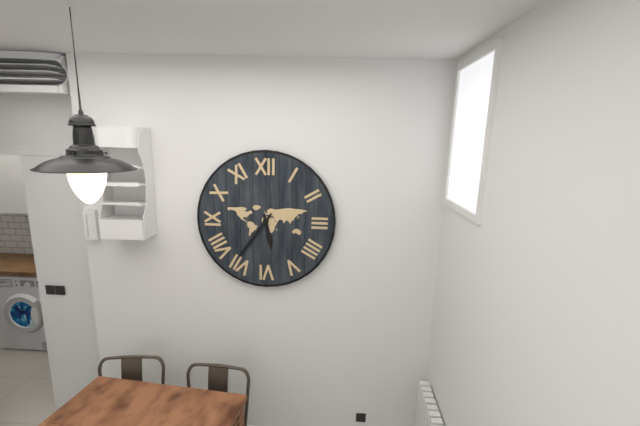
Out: {"hour": 5, "minute": 36}
